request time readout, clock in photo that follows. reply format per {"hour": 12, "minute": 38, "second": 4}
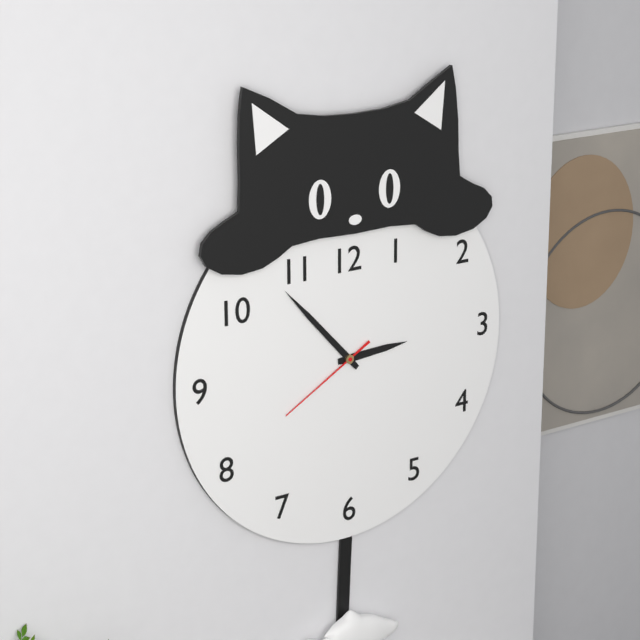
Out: {"hour": 2, "minute": 53, "second": 40}
